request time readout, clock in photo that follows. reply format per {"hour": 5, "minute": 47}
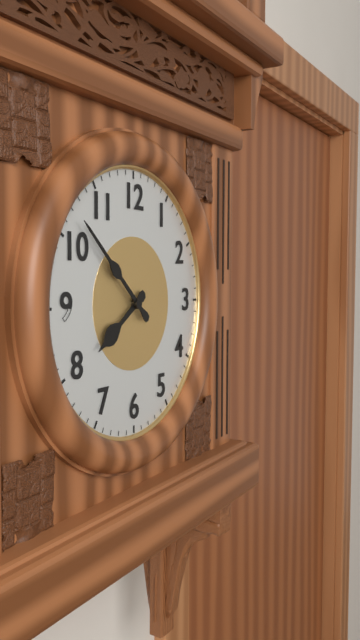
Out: {"hour": 7, "minute": 52}
